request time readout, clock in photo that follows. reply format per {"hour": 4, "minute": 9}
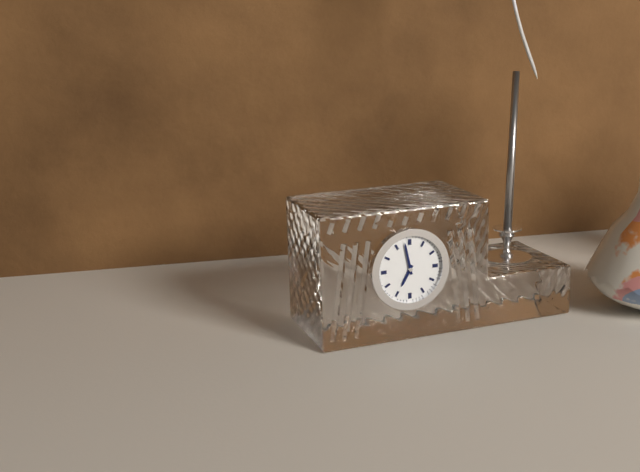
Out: {"hour": 6, "minute": 58}
